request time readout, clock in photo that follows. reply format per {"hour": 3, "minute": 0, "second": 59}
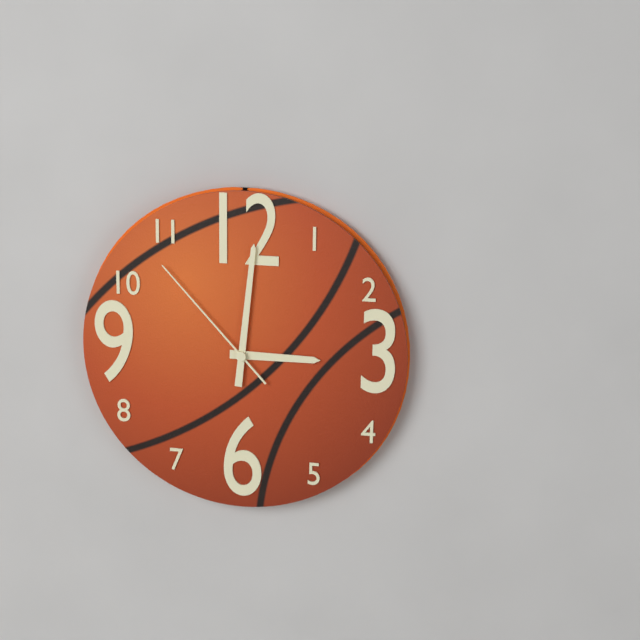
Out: {"hour": 3, "minute": 1, "second": 53}
